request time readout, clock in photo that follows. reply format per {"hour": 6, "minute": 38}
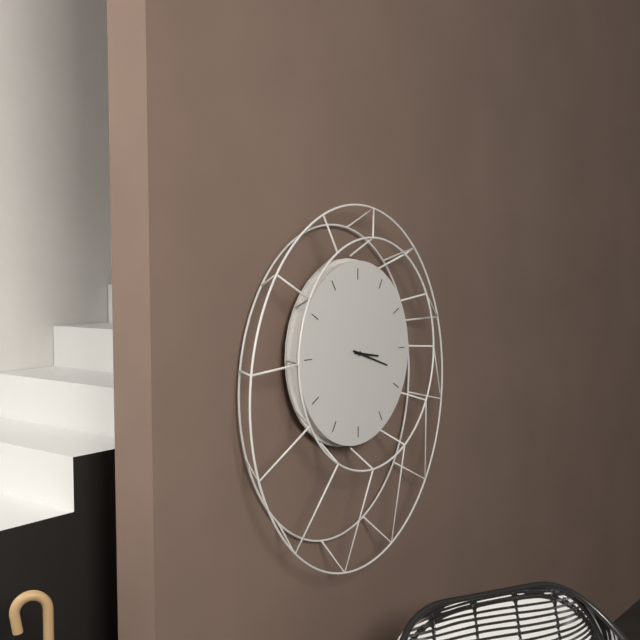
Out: {"hour": 3, "minute": 18}
